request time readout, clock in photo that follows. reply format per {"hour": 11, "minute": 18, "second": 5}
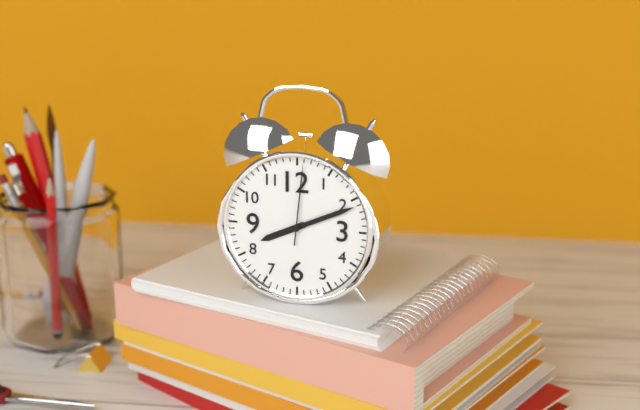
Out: {"hour": 8, "minute": 11, "second": 1}
